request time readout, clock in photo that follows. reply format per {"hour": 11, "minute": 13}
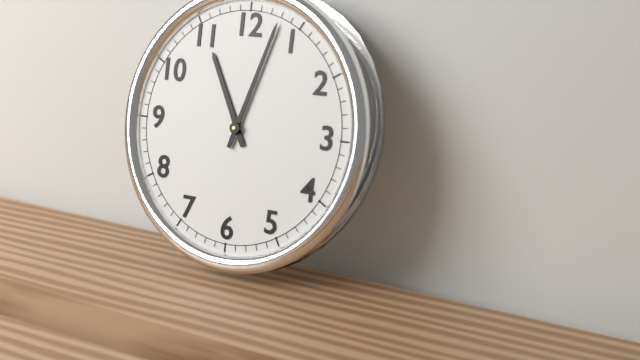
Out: {"hour": 11, "minute": 3}
